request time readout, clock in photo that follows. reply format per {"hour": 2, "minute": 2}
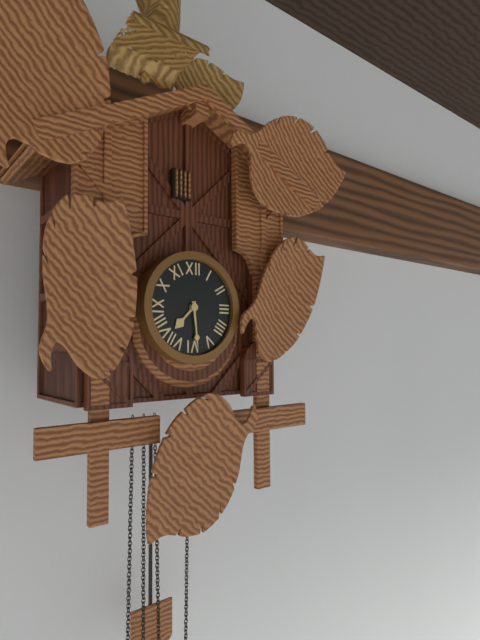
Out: {"hour": 7, "minute": 29}
